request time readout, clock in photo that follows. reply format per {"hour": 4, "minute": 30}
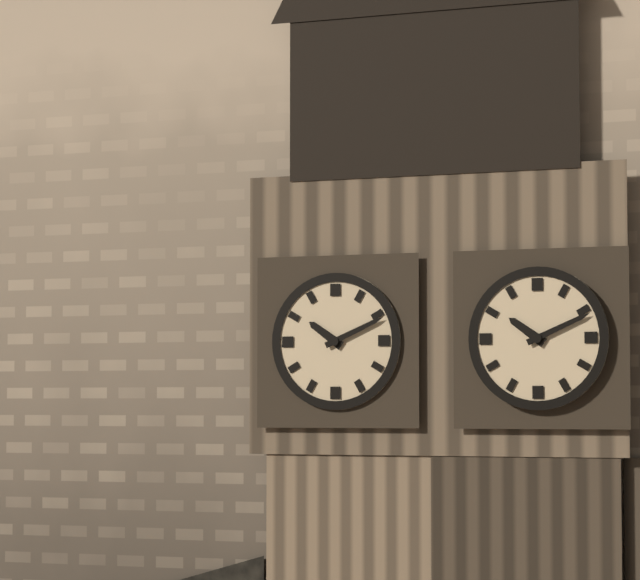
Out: {"hour": 10, "minute": 11}
